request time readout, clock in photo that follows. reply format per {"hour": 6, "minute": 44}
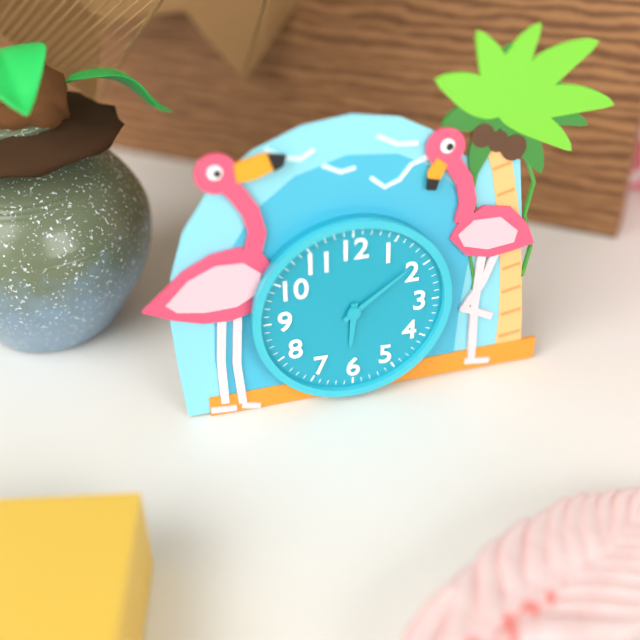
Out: {"hour": 6, "minute": 9}
